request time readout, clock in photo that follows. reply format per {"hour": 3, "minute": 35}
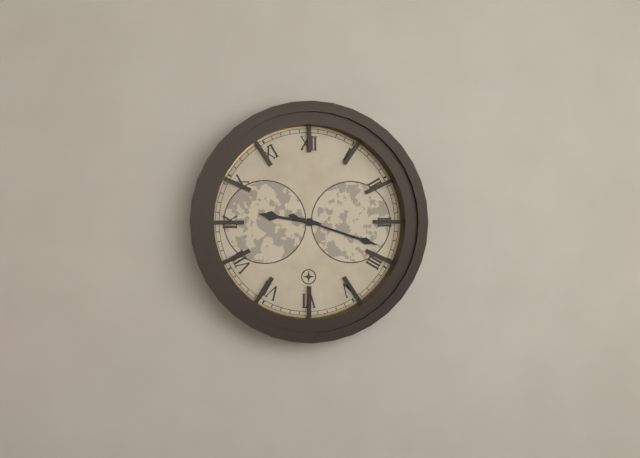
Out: {"hour": 9, "minute": 18}
